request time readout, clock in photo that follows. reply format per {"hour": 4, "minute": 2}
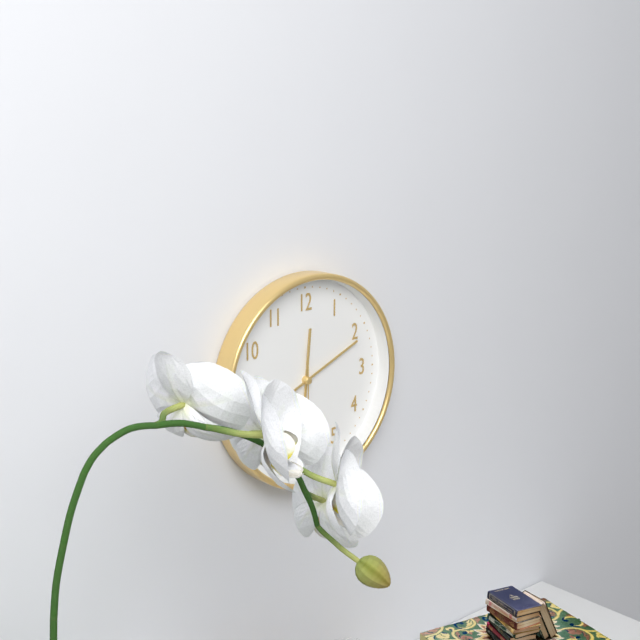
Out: {"hour": 12, "minute": 11}
